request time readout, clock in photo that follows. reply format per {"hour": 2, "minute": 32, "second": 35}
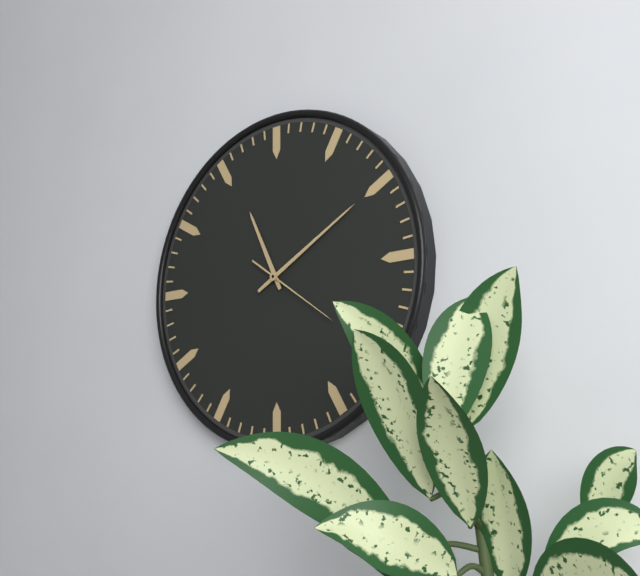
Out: {"hour": 11, "minute": 10, "second": 21}
